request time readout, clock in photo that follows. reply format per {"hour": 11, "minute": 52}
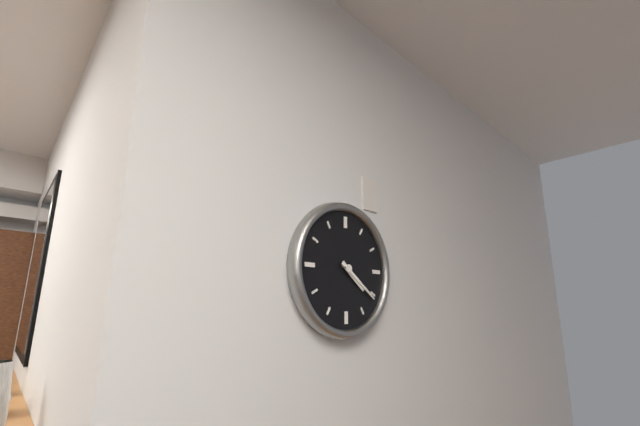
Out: {"hour": 4, "minute": 21}
